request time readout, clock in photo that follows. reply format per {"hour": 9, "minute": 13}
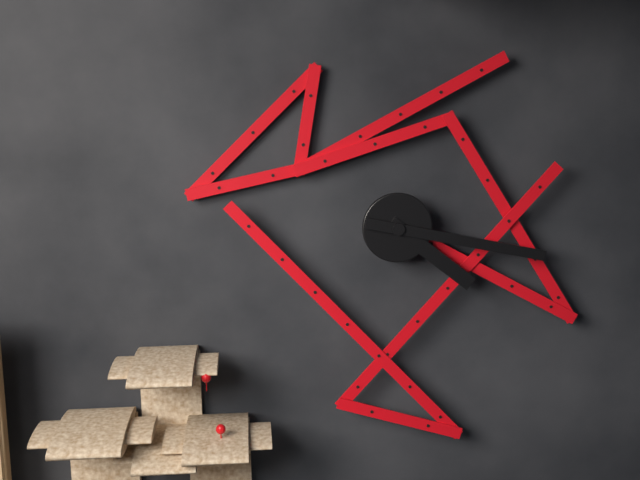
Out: {"hour": 4, "minute": 17}
